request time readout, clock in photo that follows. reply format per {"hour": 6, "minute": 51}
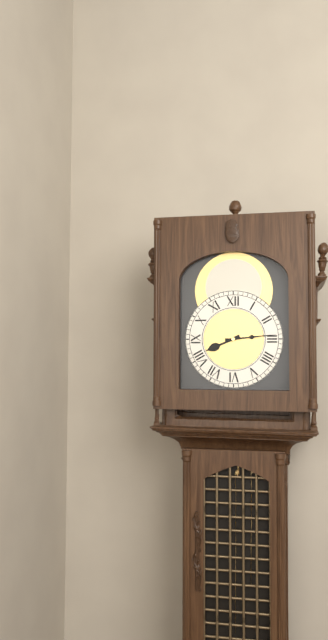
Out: {"hour": 8, "minute": 14}
